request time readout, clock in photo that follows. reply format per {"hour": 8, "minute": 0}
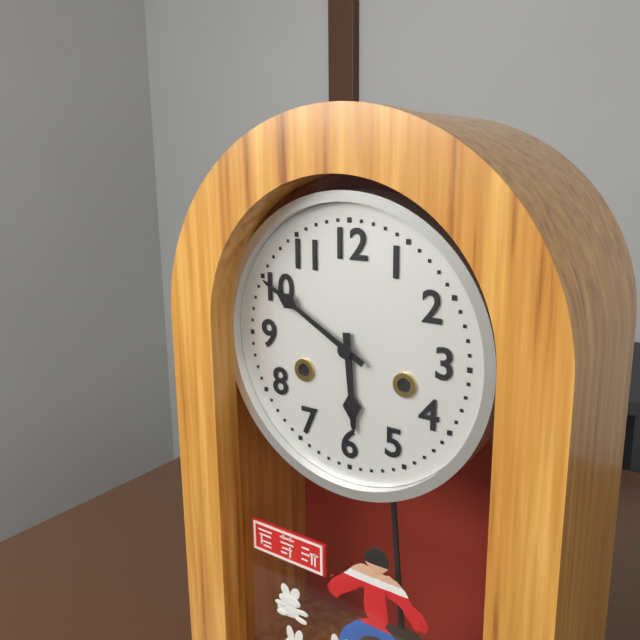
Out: {"hour": 5, "minute": 50}
